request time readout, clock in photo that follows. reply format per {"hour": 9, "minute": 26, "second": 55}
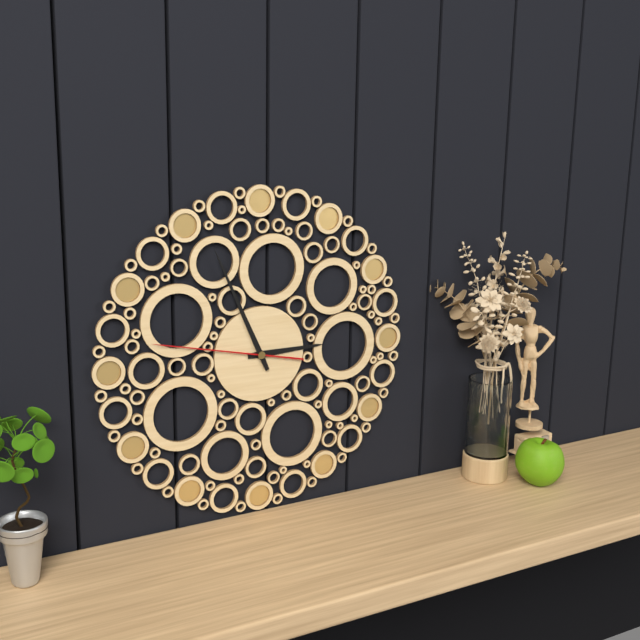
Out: {"hour": 2, "minute": 56, "second": 47}
